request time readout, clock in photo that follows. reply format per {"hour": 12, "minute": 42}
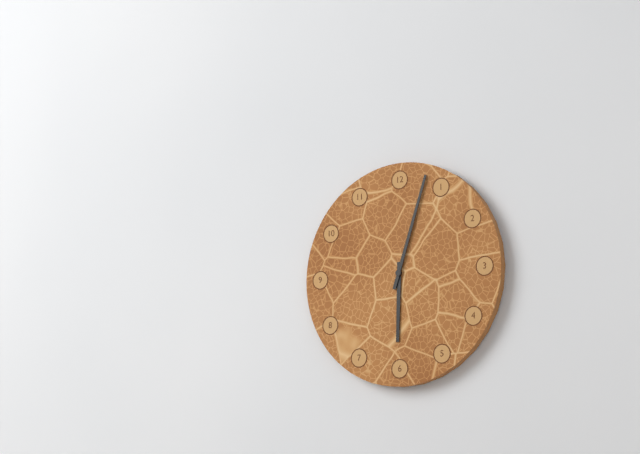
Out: {"hour": 6, "minute": 3}
